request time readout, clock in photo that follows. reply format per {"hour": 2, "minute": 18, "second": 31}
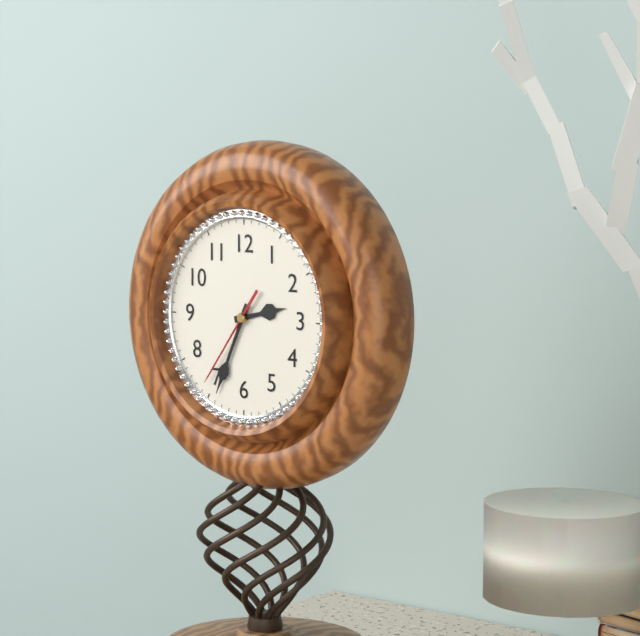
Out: {"hour": 2, "minute": 34, "second": 36}
